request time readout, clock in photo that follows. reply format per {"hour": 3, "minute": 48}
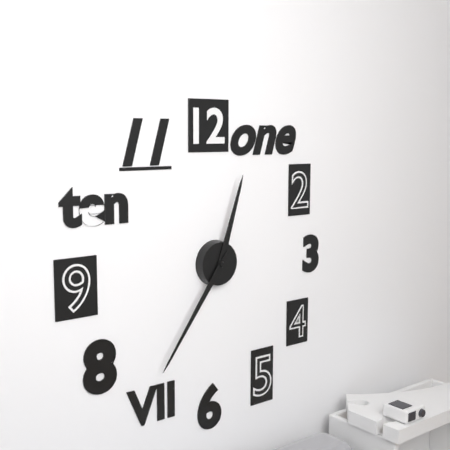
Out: {"hour": 12, "minute": 36}
